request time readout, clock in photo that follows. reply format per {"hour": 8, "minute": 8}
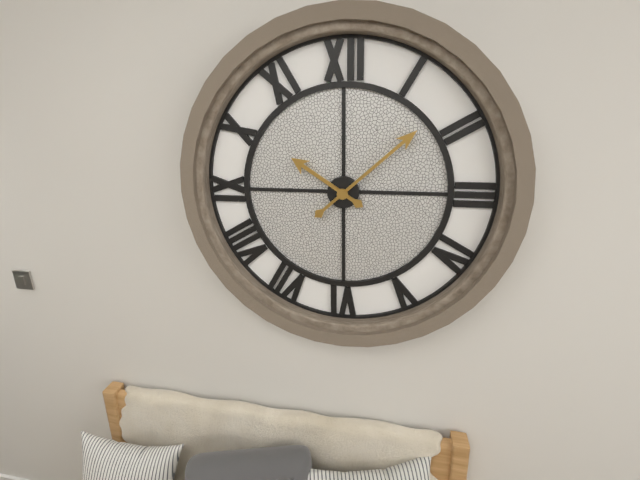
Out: {"hour": 10, "minute": 8}
